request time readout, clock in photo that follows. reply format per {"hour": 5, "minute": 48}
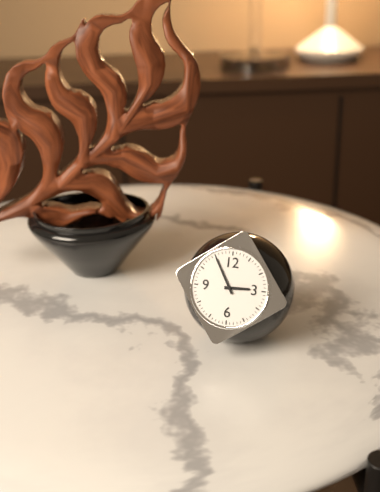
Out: {"hour": 2, "minute": 55}
